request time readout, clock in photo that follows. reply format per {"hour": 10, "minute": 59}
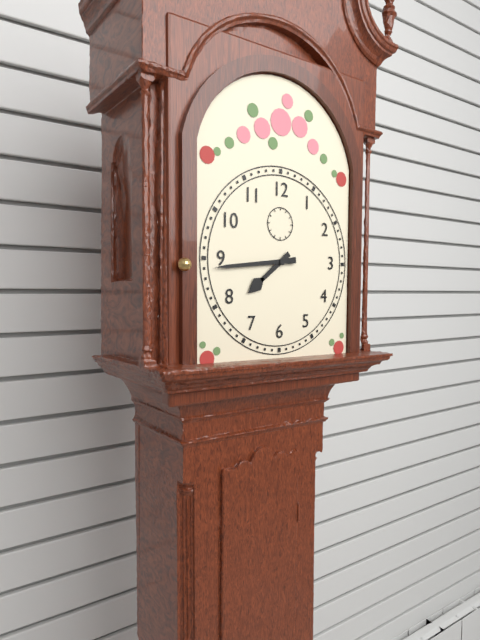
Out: {"hour": 7, "minute": 44}
